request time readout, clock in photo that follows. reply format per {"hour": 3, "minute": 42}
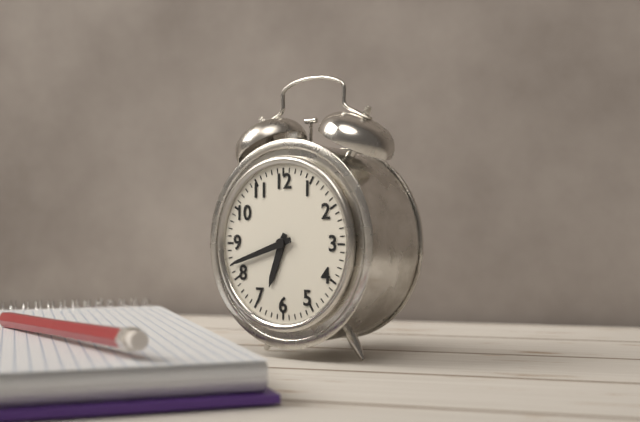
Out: {"hour": 6, "minute": 42}
